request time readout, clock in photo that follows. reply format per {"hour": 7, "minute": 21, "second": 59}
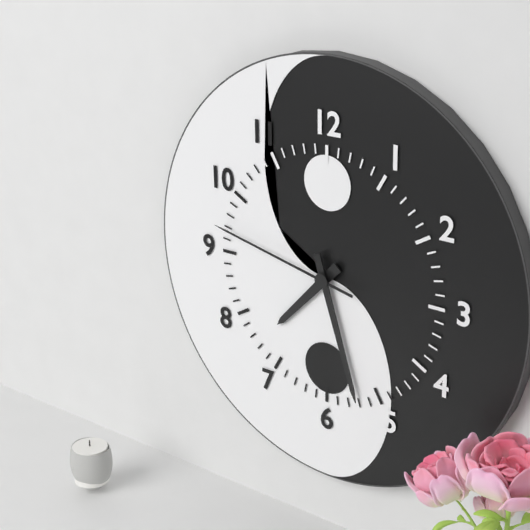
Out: {"hour": 7, "minute": 27, "second": 47}
